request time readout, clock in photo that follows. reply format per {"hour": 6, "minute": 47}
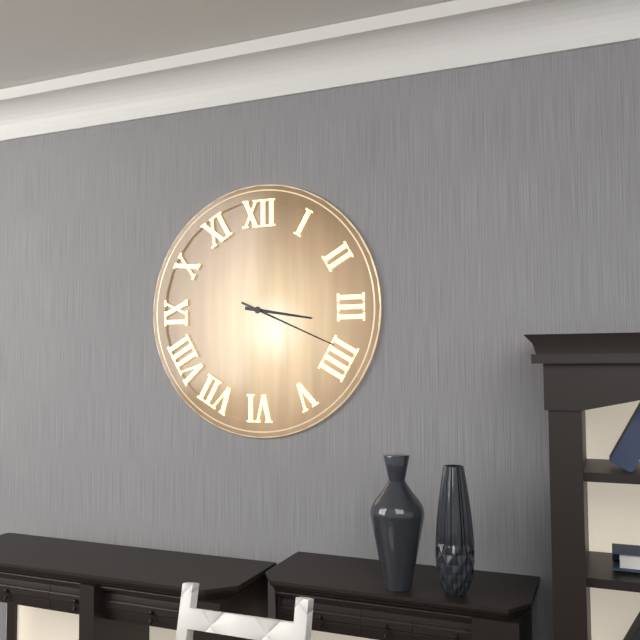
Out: {"hour": 3, "minute": 19}
